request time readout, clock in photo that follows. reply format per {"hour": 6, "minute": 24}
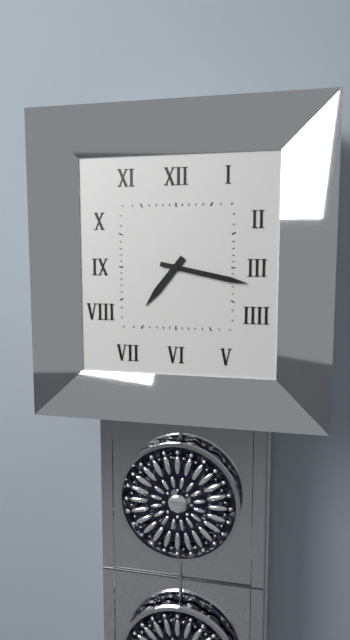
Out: {"hour": 7, "minute": 17}
